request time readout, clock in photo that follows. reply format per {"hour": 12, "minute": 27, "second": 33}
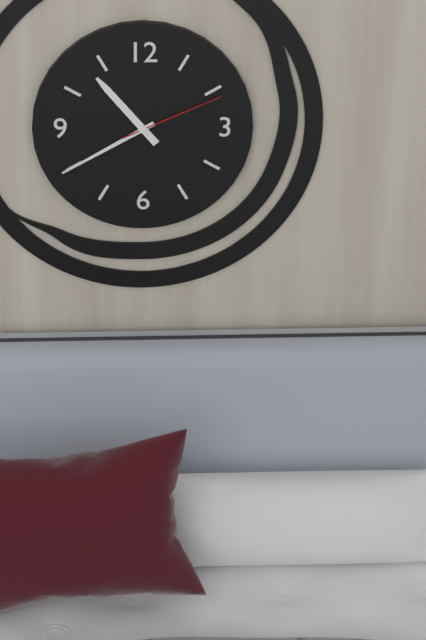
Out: {"hour": 10, "minute": 40, "second": 11}
